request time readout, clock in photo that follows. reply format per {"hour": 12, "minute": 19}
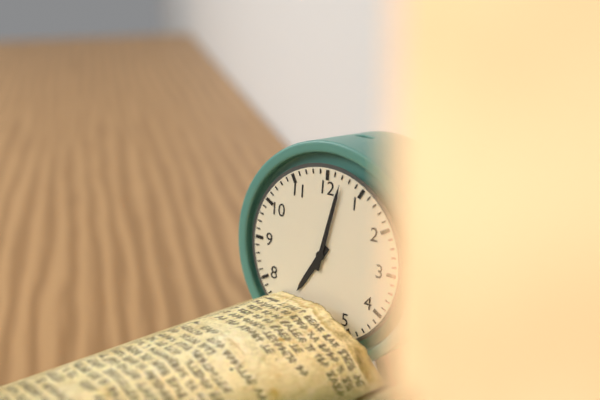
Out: {"hour": 7, "minute": 2}
